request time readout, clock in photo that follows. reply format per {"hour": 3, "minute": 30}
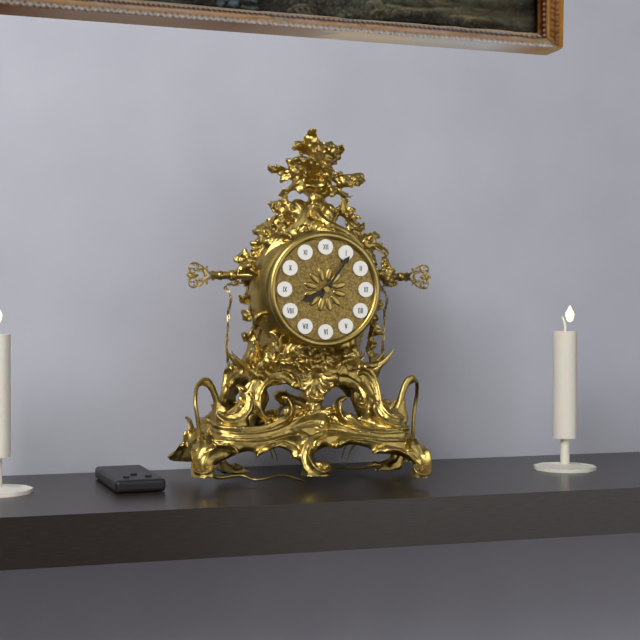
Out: {"hour": 8, "minute": 6}
